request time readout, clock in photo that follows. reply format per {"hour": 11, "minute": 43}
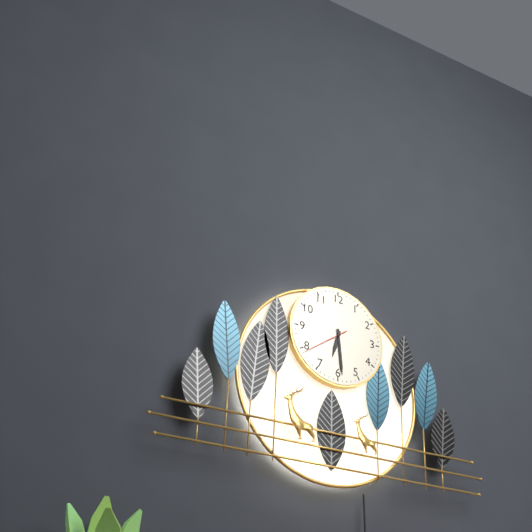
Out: {"hour": 6, "minute": 29}
